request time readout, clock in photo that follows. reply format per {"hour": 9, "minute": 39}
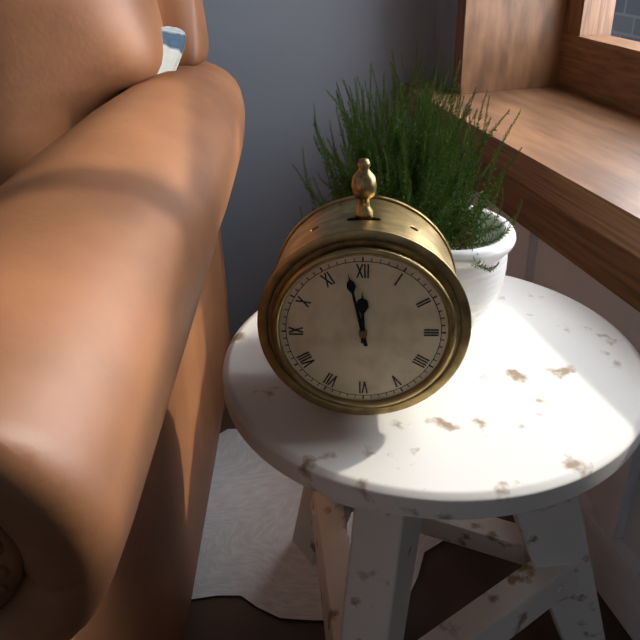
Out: {"hour": 11, "minute": 58}
